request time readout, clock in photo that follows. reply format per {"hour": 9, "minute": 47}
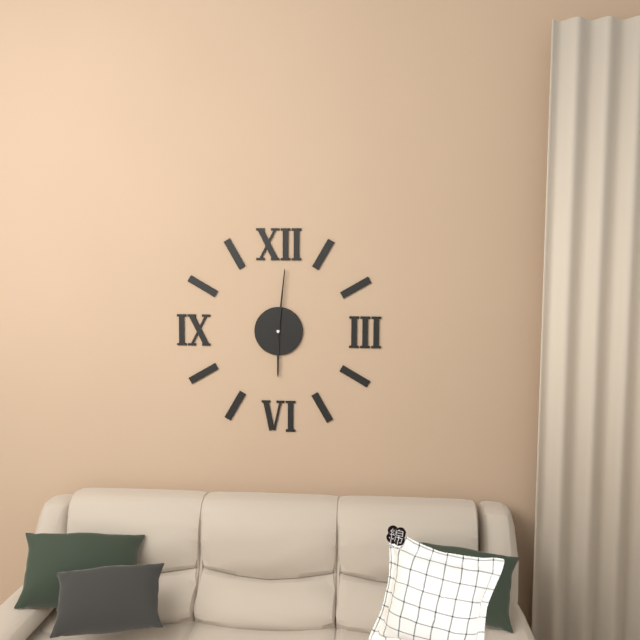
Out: {"hour": 6, "minute": 1}
